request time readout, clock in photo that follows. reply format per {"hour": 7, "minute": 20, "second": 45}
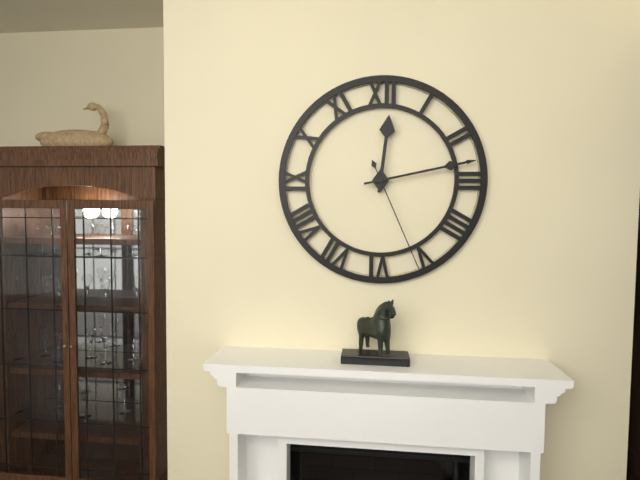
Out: {"hour": 12, "minute": 13, "second": 26}
